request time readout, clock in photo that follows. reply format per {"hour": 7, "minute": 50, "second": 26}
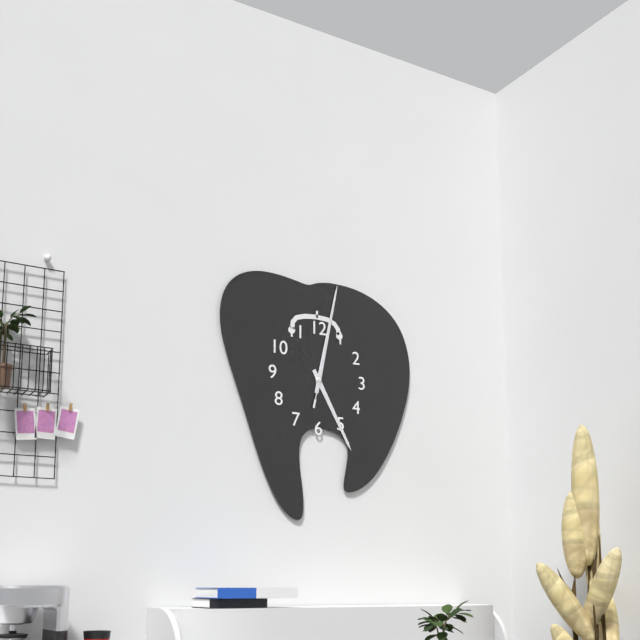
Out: {"hour": 5, "minute": 2, "second": 2}
